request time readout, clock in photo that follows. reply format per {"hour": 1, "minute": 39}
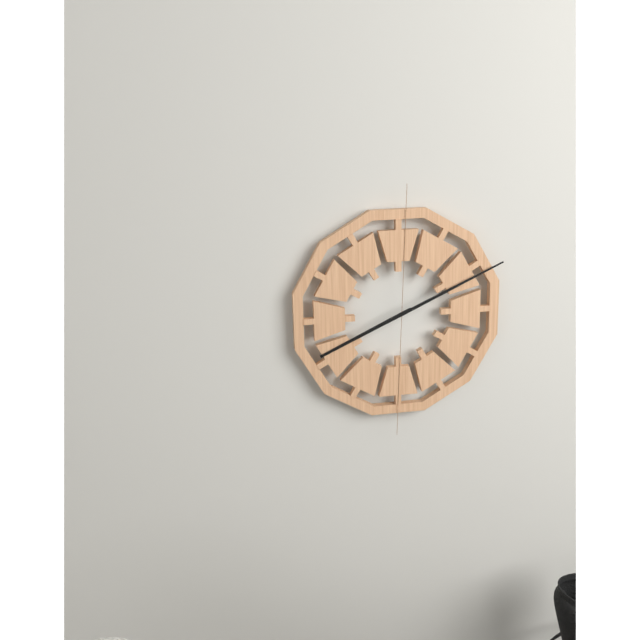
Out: {"hour": 8, "minute": 11}
